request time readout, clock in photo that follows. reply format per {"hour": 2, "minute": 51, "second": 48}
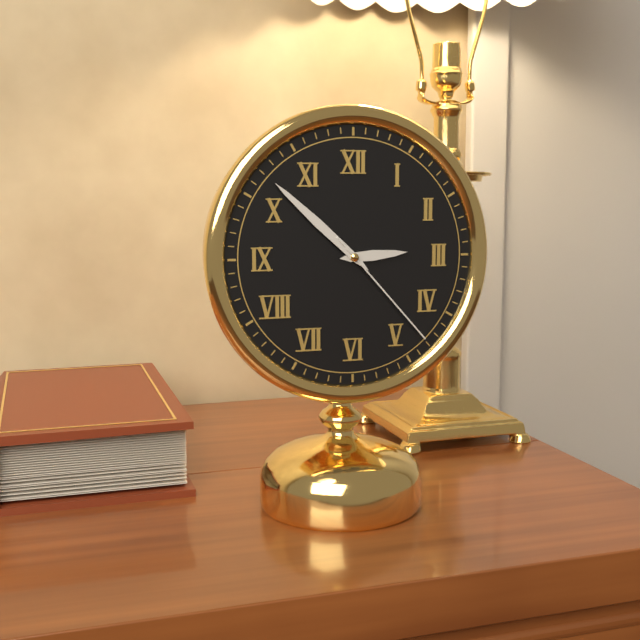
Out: {"hour": 2, "minute": 52, "second": 23}
